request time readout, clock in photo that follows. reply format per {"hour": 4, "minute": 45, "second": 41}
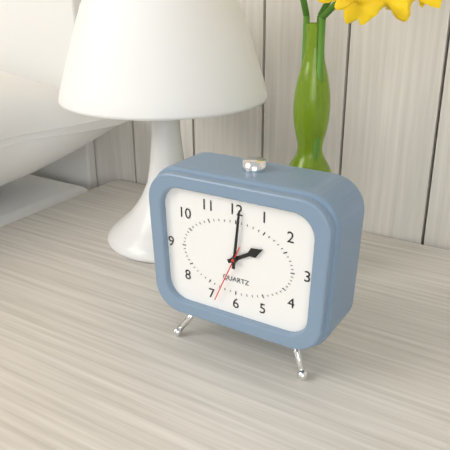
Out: {"hour": 2, "minute": 1, "second": 34}
